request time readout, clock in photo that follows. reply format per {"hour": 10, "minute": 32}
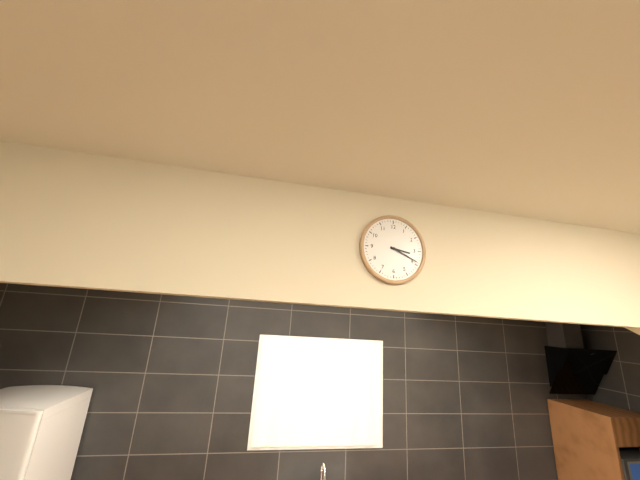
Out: {"hour": 3, "minute": 19}
